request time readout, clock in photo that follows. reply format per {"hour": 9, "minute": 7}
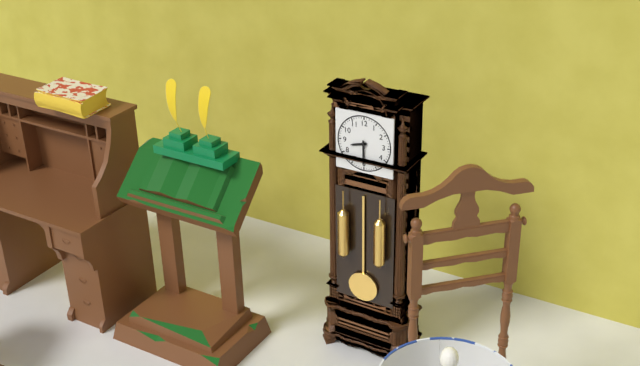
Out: {"hour": 8, "minute": 30}
